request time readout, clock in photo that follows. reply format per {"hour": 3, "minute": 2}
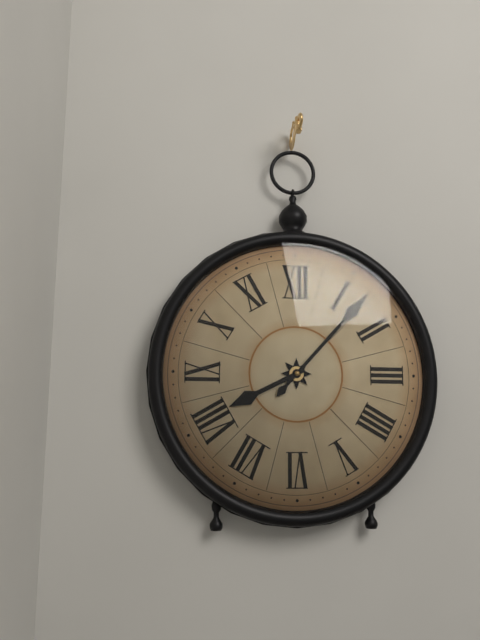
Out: {"hour": 8, "minute": 7}
